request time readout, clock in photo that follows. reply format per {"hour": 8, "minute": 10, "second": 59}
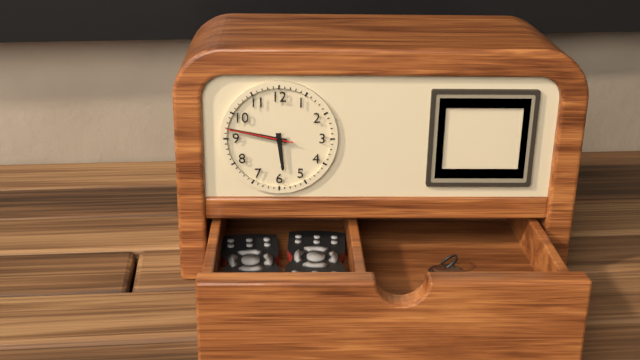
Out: {"hour": 5, "minute": 47, "second": 47}
